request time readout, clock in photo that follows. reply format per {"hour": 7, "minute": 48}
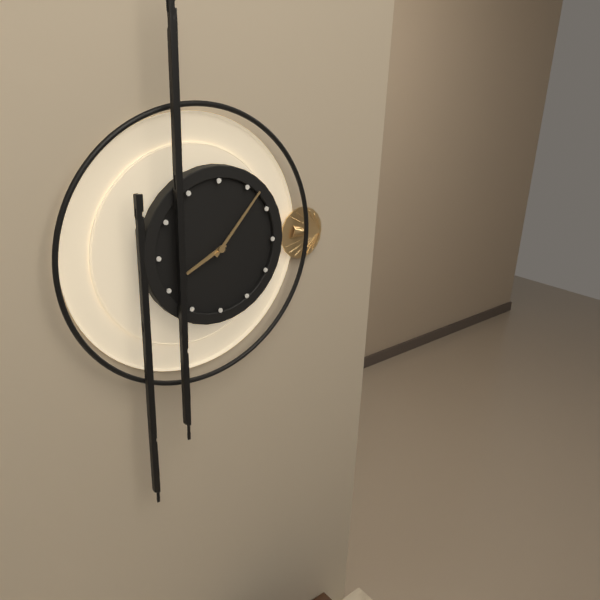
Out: {"hour": 8, "minute": 7}
